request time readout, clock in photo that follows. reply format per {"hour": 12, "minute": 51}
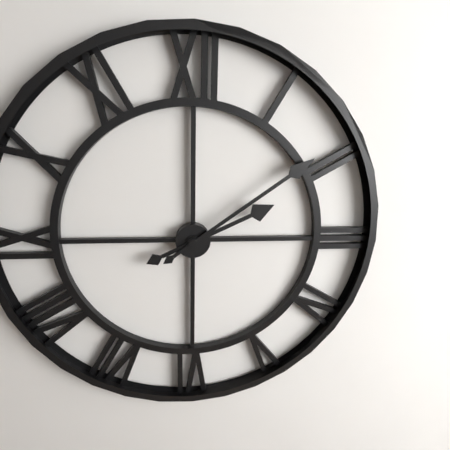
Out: {"hour": 2, "minute": 9}
